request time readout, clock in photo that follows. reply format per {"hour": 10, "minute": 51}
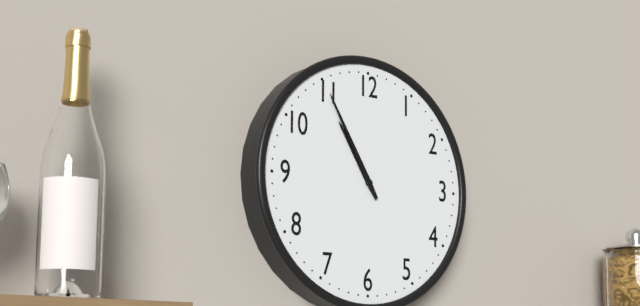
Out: {"hour": 10, "minute": 55}
